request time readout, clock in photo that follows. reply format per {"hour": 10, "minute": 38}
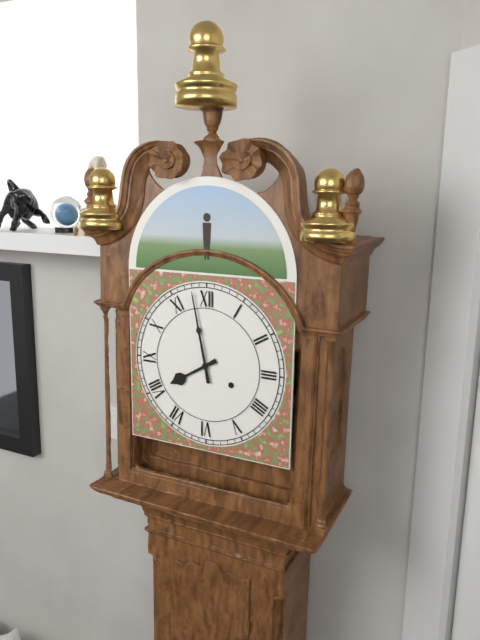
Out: {"hour": 7, "minute": 58}
